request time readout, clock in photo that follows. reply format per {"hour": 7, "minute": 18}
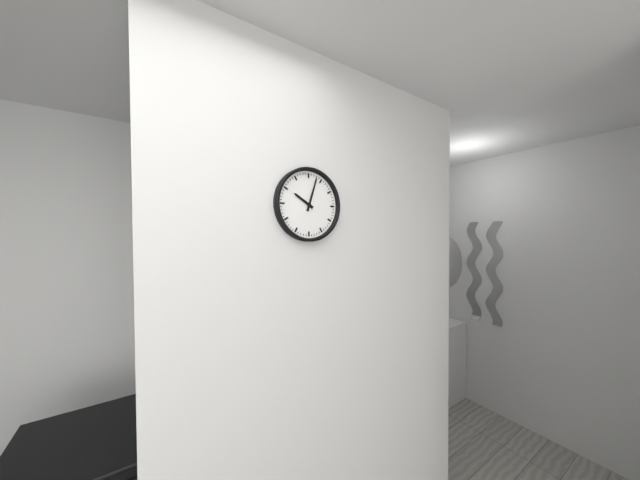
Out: {"hour": 10, "minute": 3}
